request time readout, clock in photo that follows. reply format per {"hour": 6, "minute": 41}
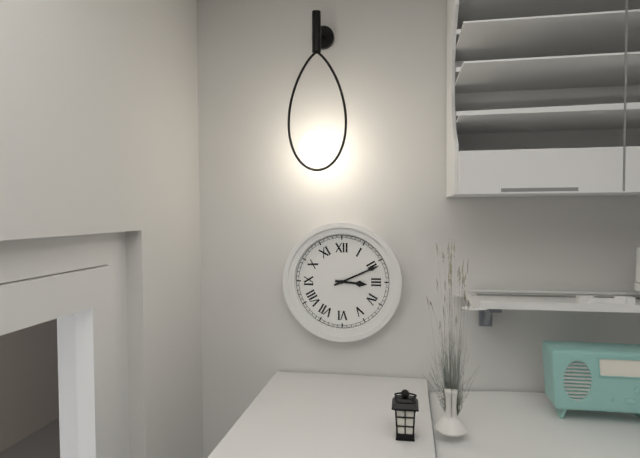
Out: {"hour": 3, "minute": 11}
